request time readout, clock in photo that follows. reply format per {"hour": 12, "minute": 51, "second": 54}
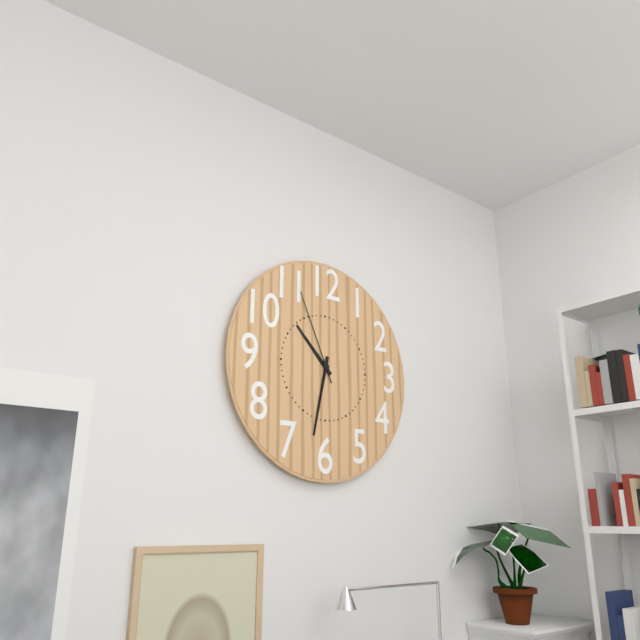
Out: {"hour": 10, "minute": 32, "second": 56}
